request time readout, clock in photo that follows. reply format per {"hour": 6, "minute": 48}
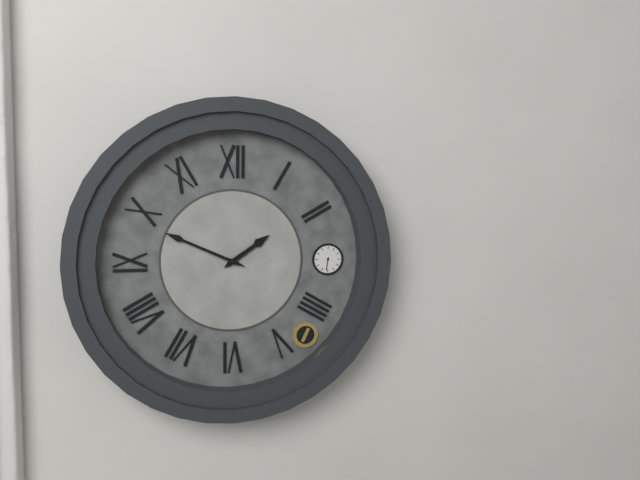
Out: {"hour": 1, "minute": 49}
